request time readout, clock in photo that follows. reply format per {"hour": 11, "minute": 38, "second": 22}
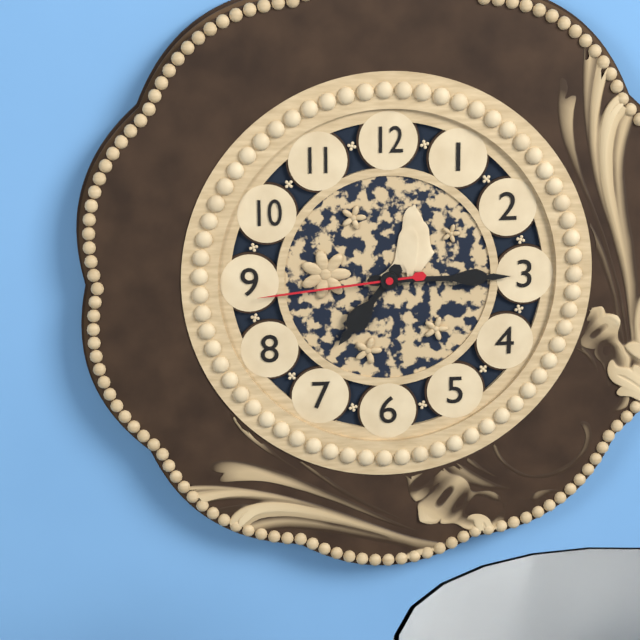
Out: {"hour": 7, "minute": 15, "second": 44}
